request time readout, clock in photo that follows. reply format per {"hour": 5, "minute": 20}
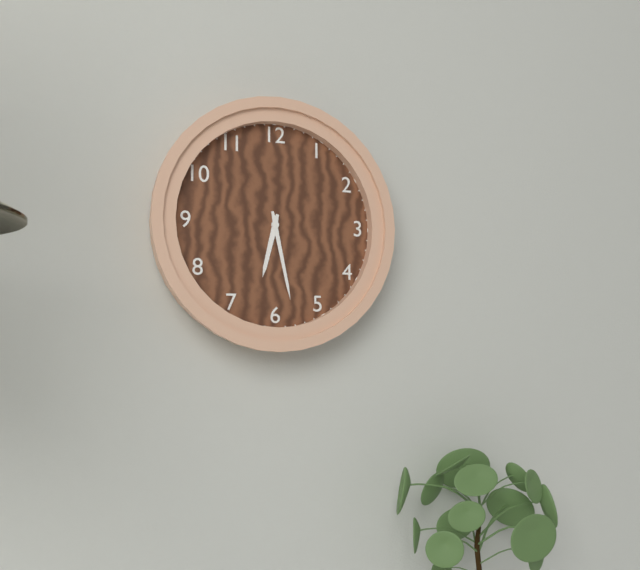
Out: {"hour": 6, "minute": 28}
